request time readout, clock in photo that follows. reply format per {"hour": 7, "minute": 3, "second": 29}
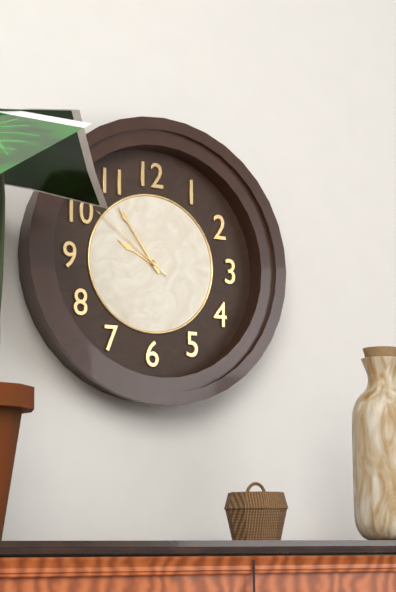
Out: {"hour": 9, "minute": 54, "second": 51}
